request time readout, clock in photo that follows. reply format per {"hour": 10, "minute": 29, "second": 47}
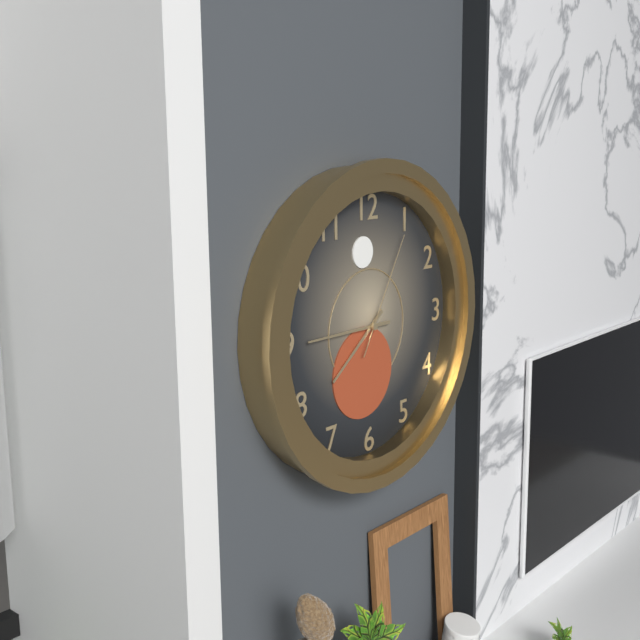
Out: {"hour": 7, "minute": 45, "second": 5}
